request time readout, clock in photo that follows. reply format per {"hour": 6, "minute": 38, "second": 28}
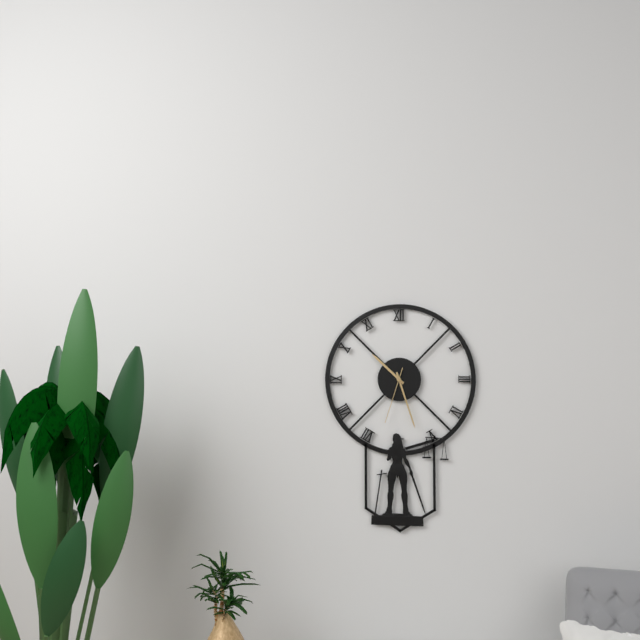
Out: {"hour": 10, "minute": 27, "second": 33}
